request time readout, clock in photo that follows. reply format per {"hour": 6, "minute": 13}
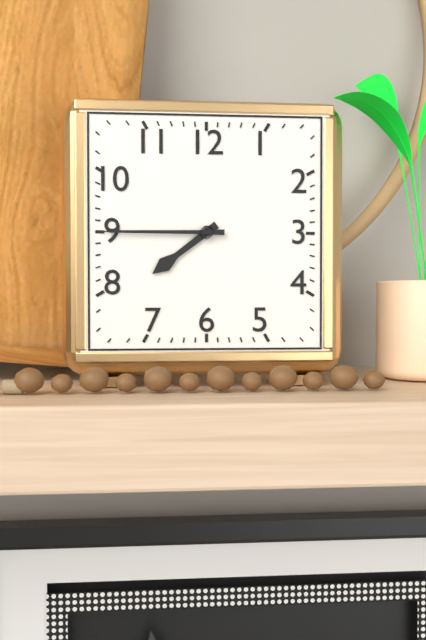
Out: {"hour": 7, "minute": 45}
